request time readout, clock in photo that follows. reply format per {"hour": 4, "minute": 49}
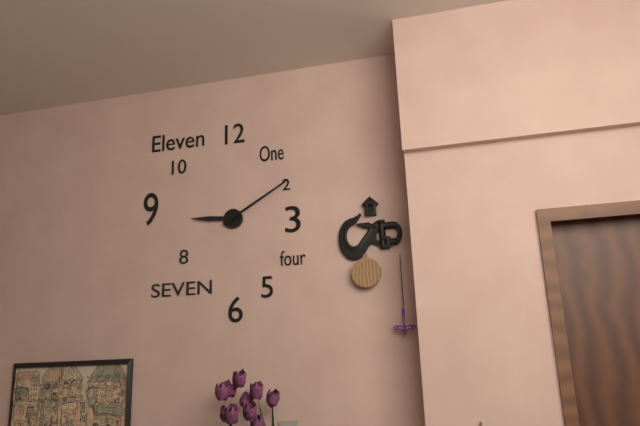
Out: {"hour": 9, "minute": 10}
